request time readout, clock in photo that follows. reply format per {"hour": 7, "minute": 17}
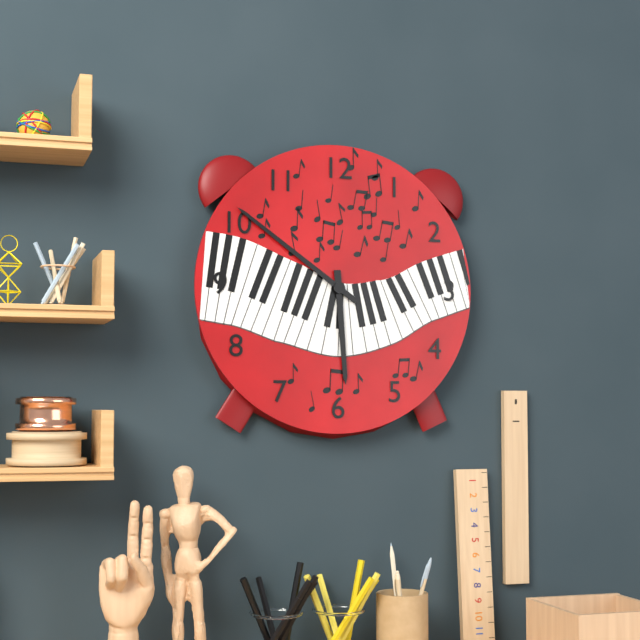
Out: {"hour": 5, "minute": 51}
